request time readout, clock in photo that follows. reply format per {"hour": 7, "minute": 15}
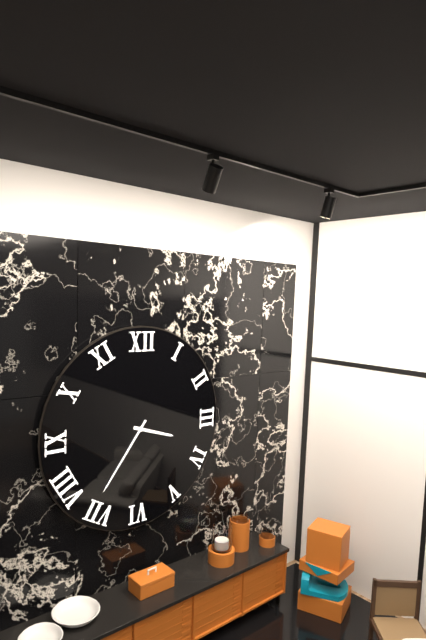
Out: {"hour": 3, "minute": 36}
